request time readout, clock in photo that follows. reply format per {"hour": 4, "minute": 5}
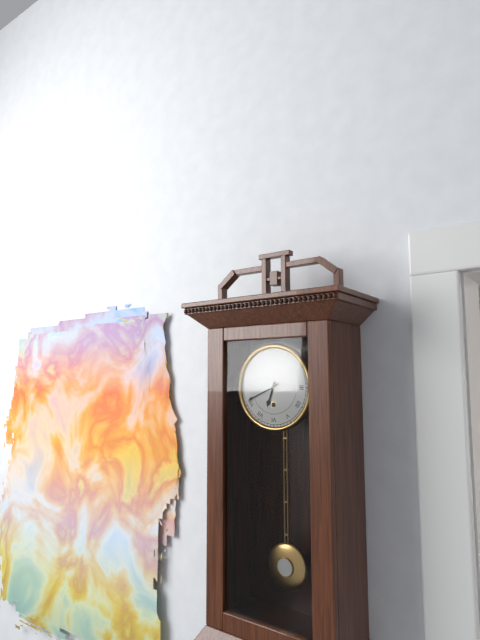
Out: {"hour": 6, "minute": 41}
